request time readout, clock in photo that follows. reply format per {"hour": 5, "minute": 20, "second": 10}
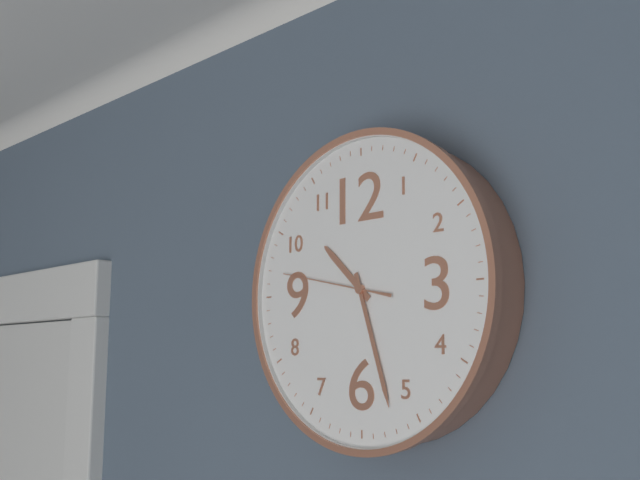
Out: {"hour": 10, "minute": 27, "second": 47}
